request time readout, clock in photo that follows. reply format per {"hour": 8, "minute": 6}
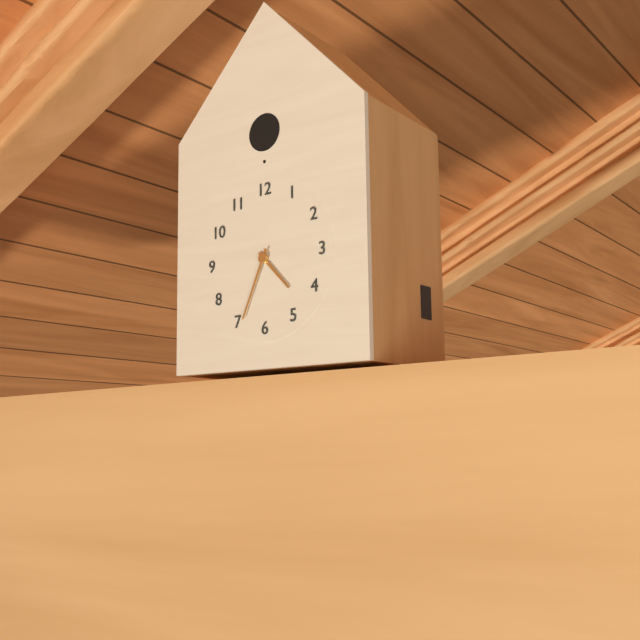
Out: {"hour": 4, "minute": 34}
